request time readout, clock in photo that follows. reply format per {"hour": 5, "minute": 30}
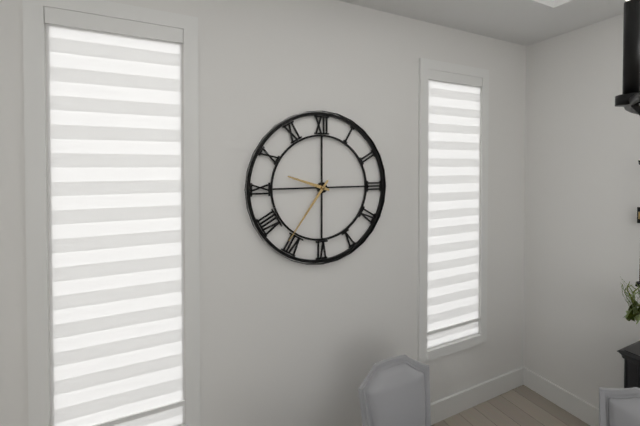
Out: {"hour": 9, "minute": 36}
